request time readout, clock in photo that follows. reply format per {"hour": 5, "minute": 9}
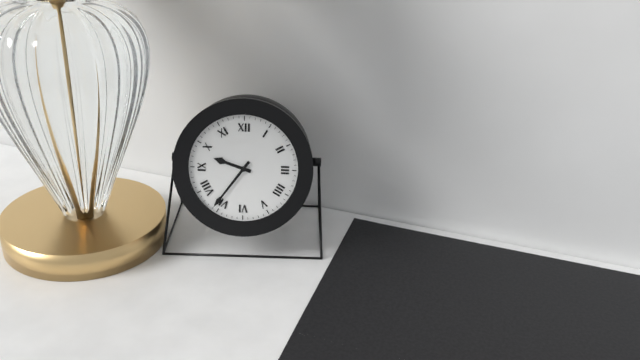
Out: {"hour": 9, "minute": 36}
